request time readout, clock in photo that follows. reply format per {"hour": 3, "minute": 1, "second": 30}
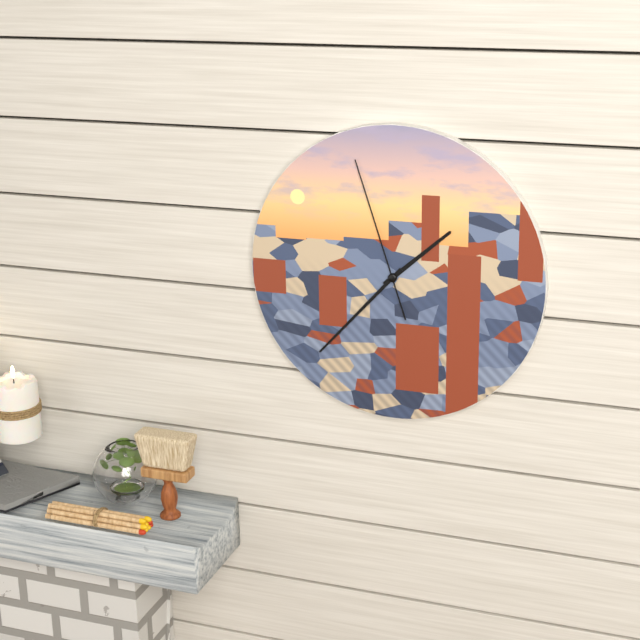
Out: {"hour": 1, "minute": 37, "second": 57}
